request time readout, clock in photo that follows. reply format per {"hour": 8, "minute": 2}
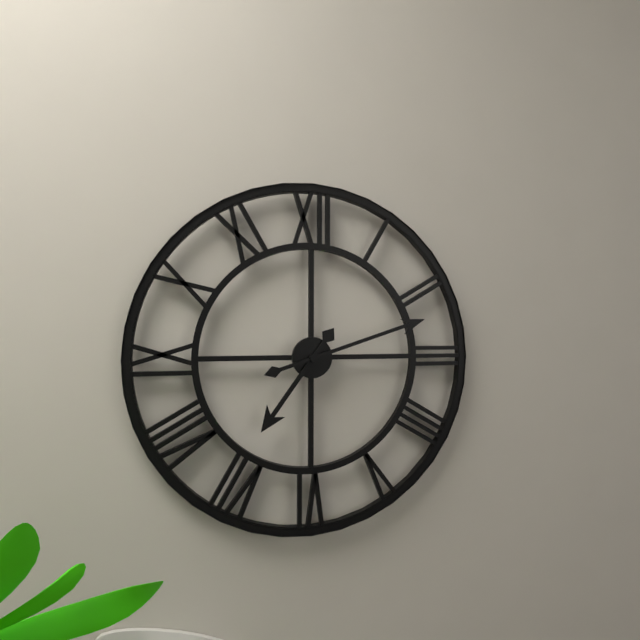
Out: {"hour": 7, "minute": 12}
